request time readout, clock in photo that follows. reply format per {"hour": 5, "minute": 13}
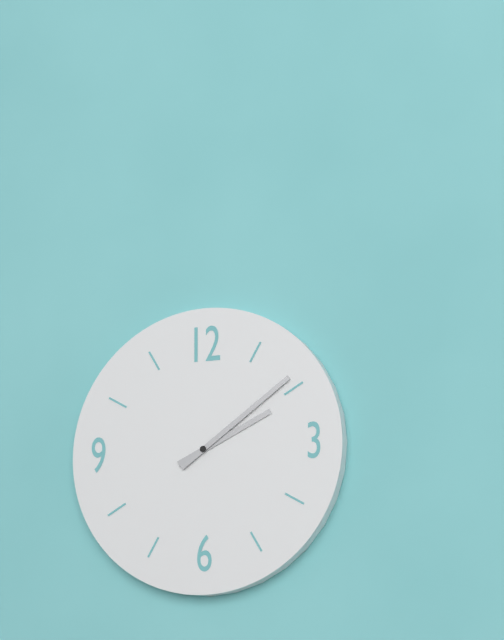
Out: {"hour": 2, "minute": 9}
